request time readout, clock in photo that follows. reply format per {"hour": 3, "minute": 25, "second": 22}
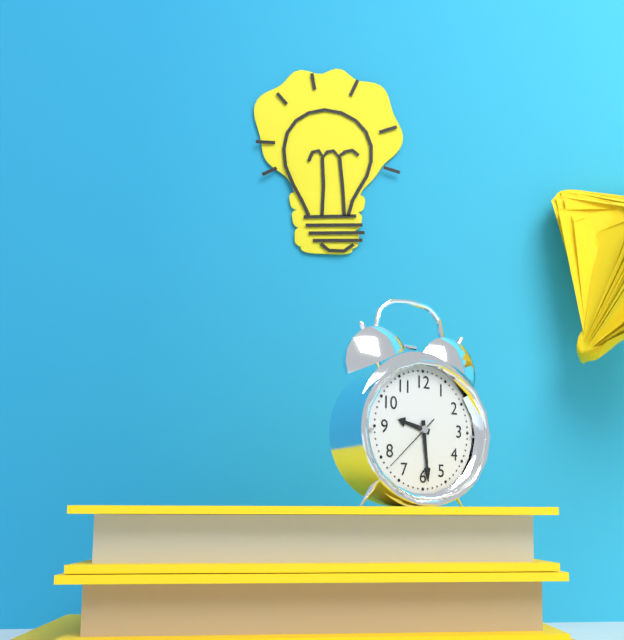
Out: {"hour": 9, "minute": 29, "second": 38}
